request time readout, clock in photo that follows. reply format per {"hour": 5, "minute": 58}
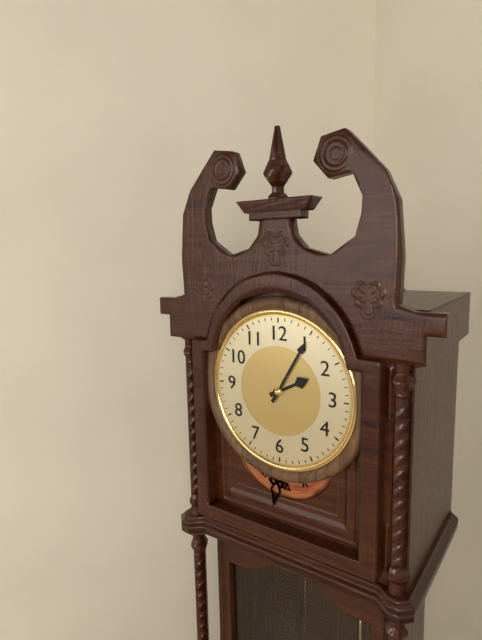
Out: {"hour": 2, "minute": 5}
